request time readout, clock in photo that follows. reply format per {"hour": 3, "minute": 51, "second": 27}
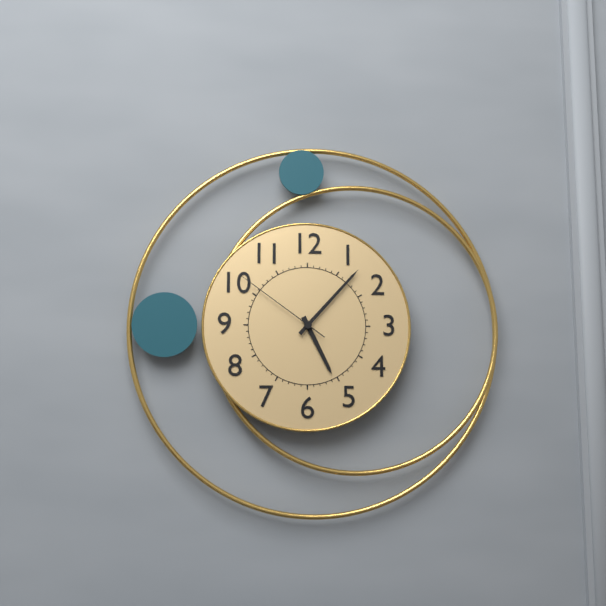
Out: {"hour": 5, "minute": 7, "second": 51}
